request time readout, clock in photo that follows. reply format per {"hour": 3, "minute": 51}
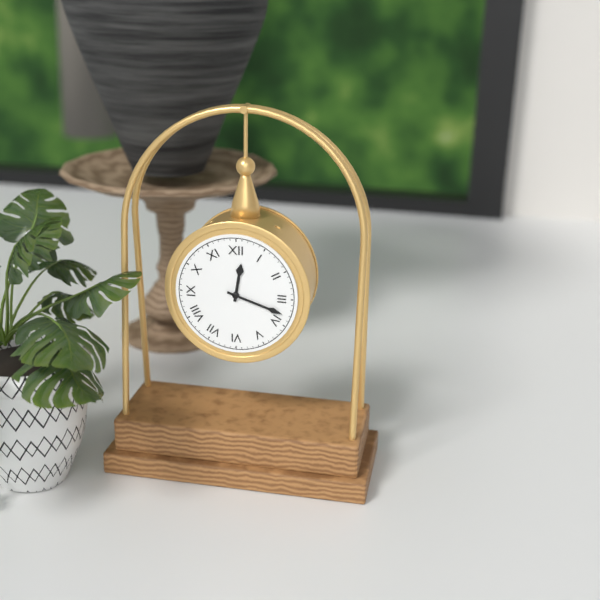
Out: {"hour": 12, "minute": 18}
